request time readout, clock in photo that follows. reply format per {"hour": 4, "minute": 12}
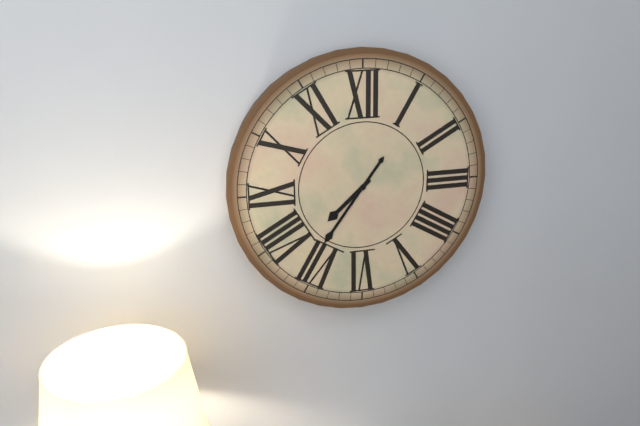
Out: {"hour": 7, "minute": 36}
